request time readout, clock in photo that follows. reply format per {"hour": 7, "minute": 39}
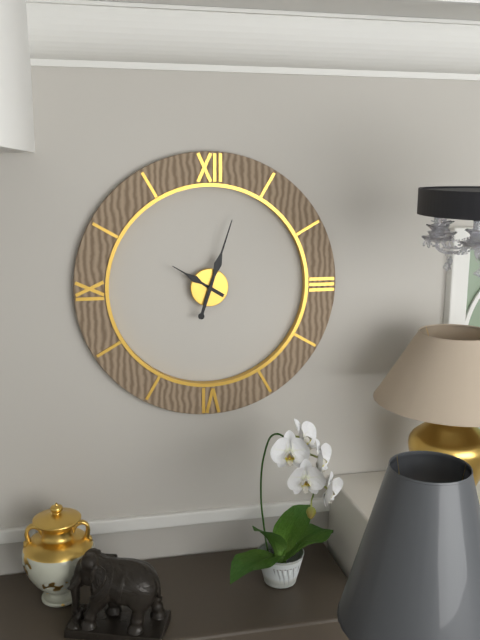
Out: {"hour": 10, "minute": 3}
